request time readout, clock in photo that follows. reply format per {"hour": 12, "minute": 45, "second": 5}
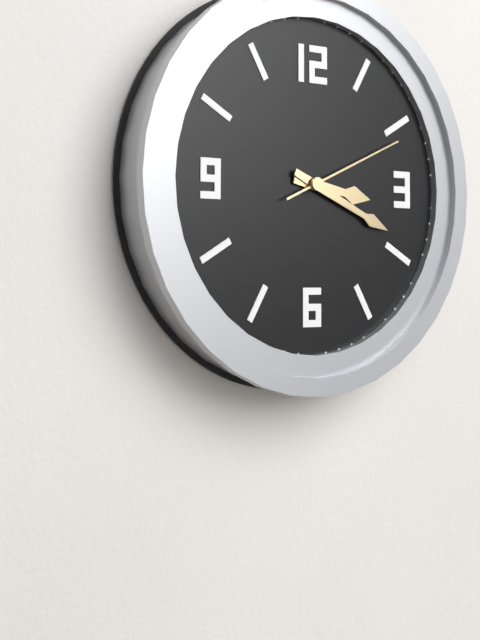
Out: {"hour": 3, "minute": 19, "second": 11}
